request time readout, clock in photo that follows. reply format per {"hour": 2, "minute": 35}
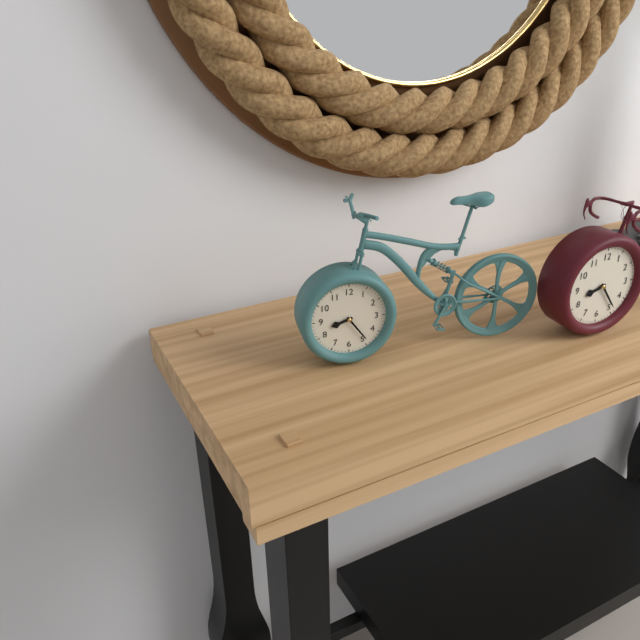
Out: {"hour": 8, "minute": 24}
